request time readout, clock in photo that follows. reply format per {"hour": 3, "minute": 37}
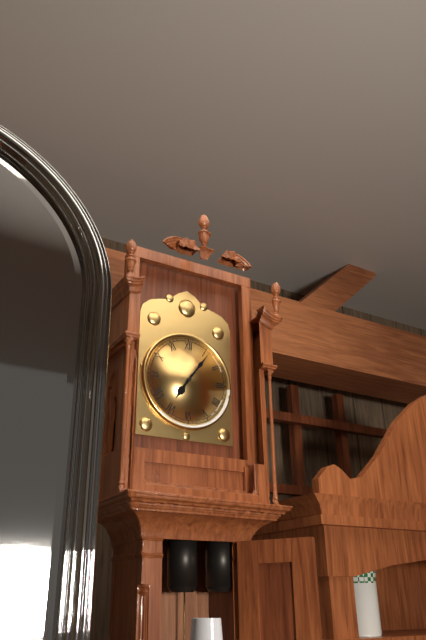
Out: {"hour": 7, "minute": 6}
